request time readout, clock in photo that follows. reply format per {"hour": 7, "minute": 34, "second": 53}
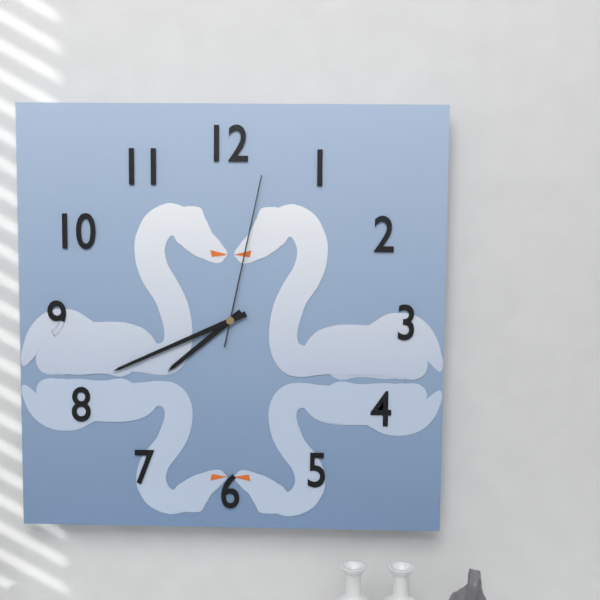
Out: {"hour": 7, "minute": 41, "second": 2}
